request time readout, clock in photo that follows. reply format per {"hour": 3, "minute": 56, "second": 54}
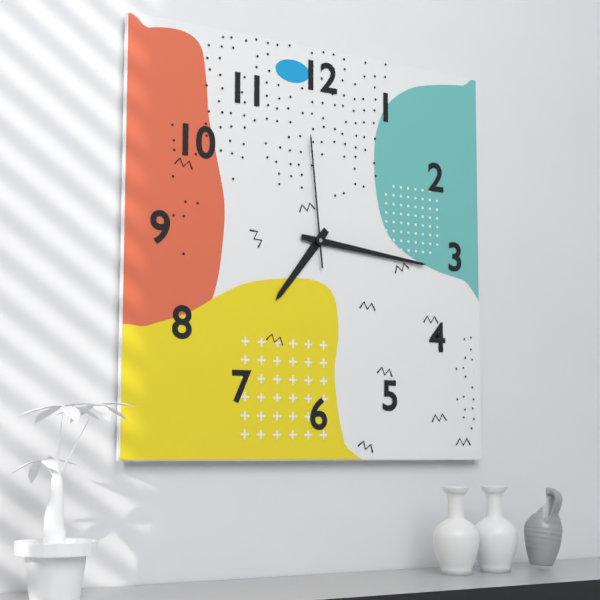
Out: {"hour": 7, "minute": 16, "second": 59}
